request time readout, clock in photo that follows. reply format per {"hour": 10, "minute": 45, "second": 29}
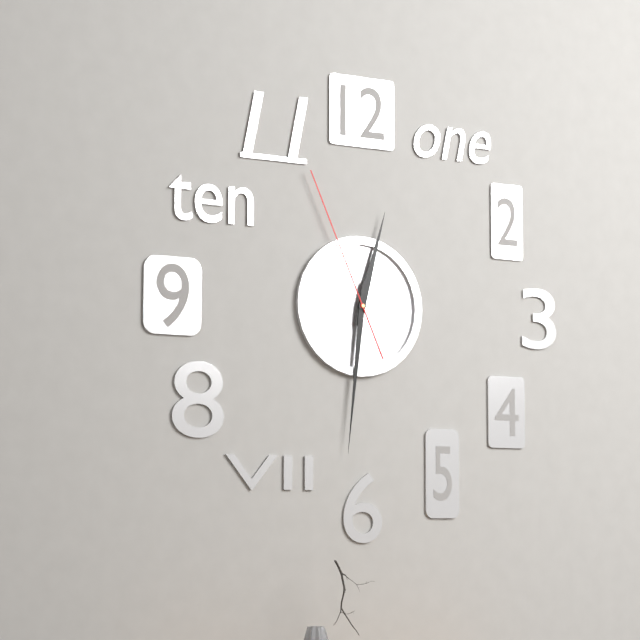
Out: {"hour": 12, "minute": 31, "second": 56}
